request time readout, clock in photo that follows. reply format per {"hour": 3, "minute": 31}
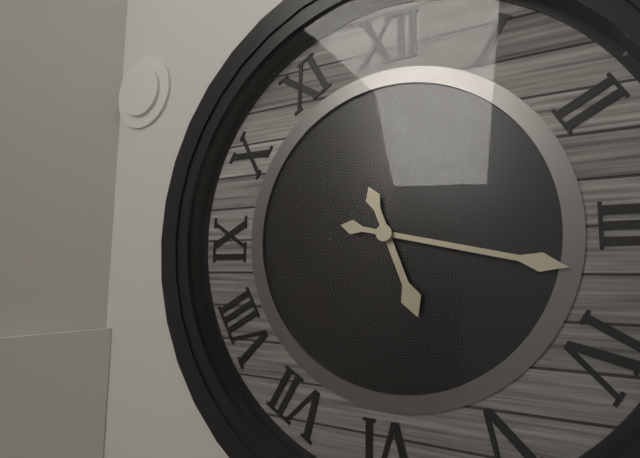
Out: {"hour": 5, "minute": 17}
